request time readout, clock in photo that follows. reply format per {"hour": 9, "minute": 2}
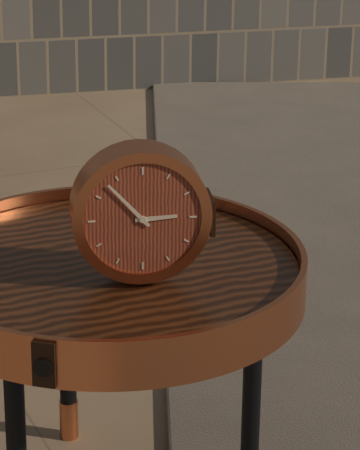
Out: {"hour": 2, "minute": 53}
